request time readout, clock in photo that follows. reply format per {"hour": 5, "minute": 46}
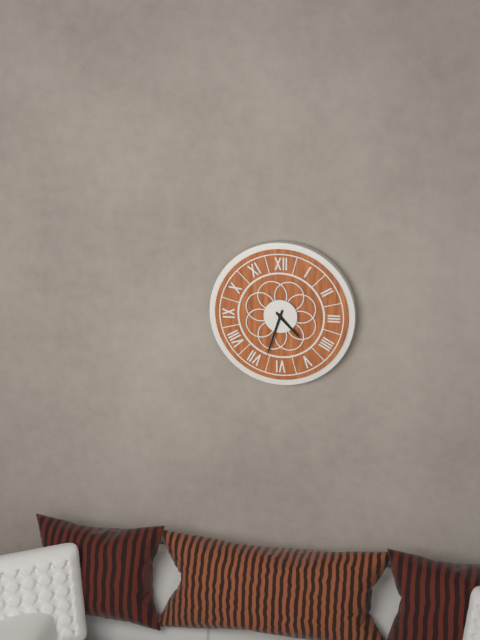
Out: {"hour": 4, "minute": 33}
